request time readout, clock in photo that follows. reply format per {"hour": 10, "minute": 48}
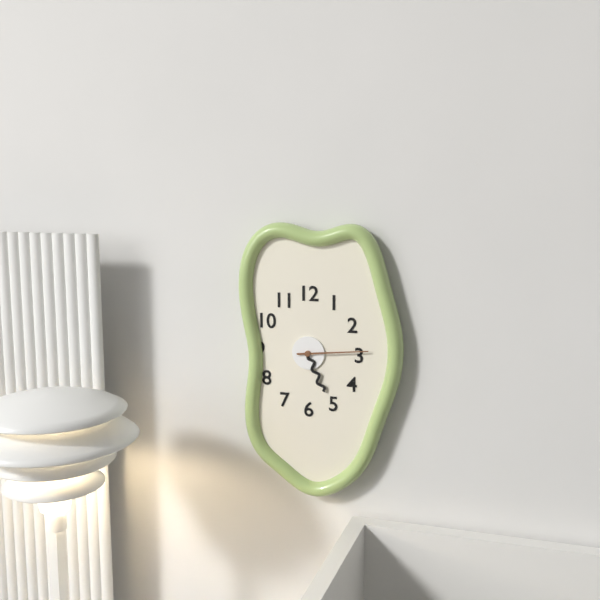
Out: {"hour": 5, "minute": 14}
